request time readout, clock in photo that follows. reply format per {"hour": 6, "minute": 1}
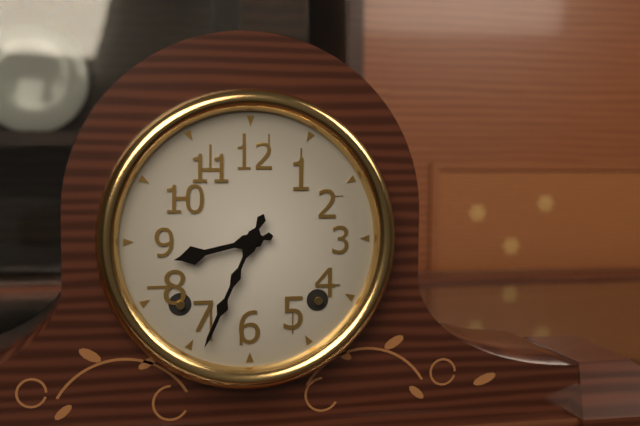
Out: {"hour": 8, "minute": 34}
